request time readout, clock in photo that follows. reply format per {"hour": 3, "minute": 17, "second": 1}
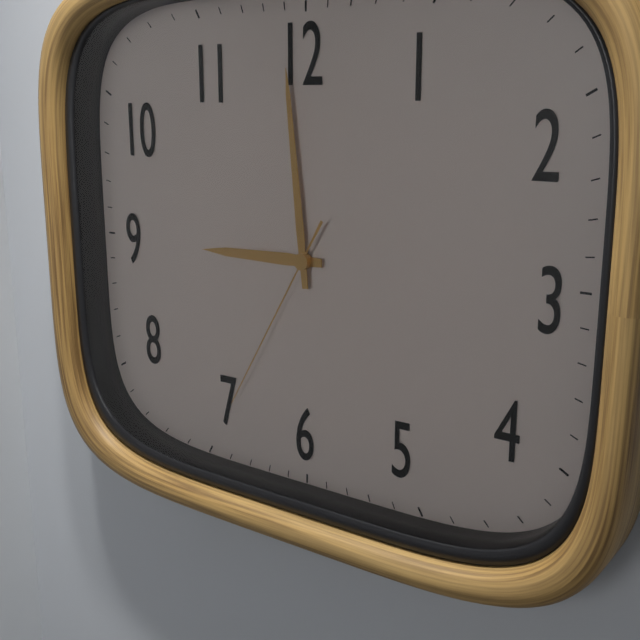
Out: {"hour": 8, "minute": 59, "second": 35}
